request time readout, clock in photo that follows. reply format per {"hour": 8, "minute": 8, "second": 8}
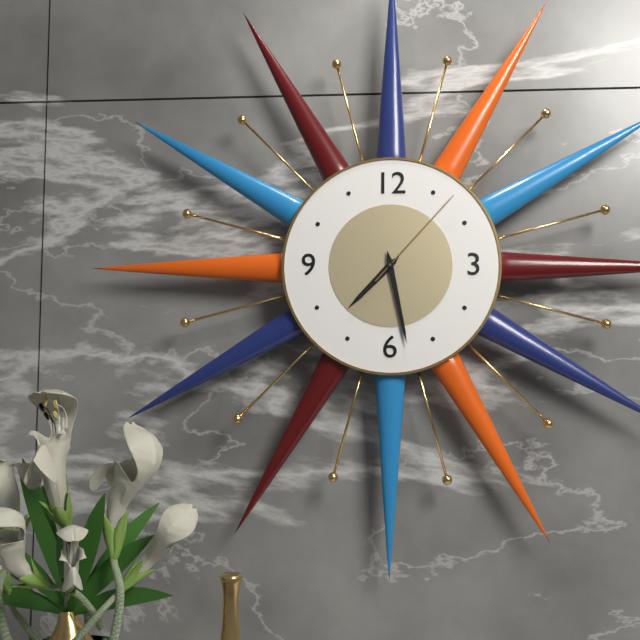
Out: {"hour": 7, "minute": 28, "second": 7}
